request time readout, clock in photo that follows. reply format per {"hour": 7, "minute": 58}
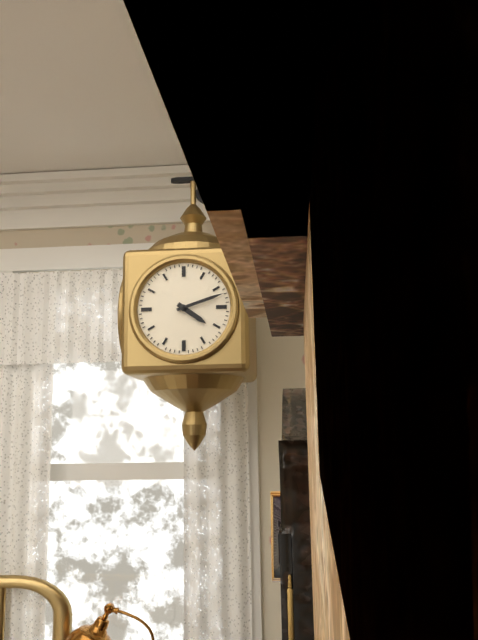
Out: {"hour": 4, "minute": 12}
